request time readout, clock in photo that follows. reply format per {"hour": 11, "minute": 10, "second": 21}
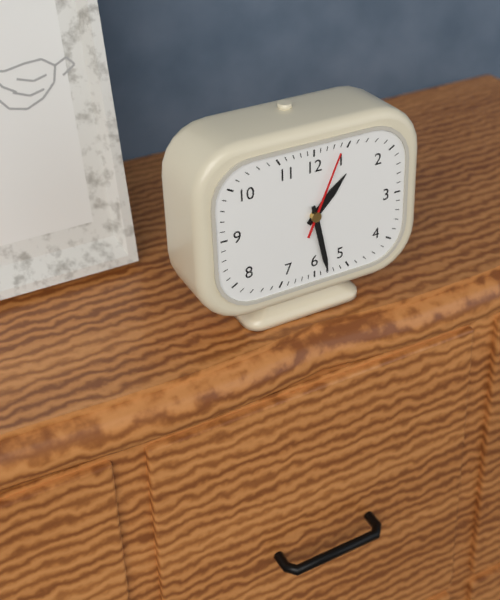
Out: {"hour": 1, "minute": 28, "second": 4}
